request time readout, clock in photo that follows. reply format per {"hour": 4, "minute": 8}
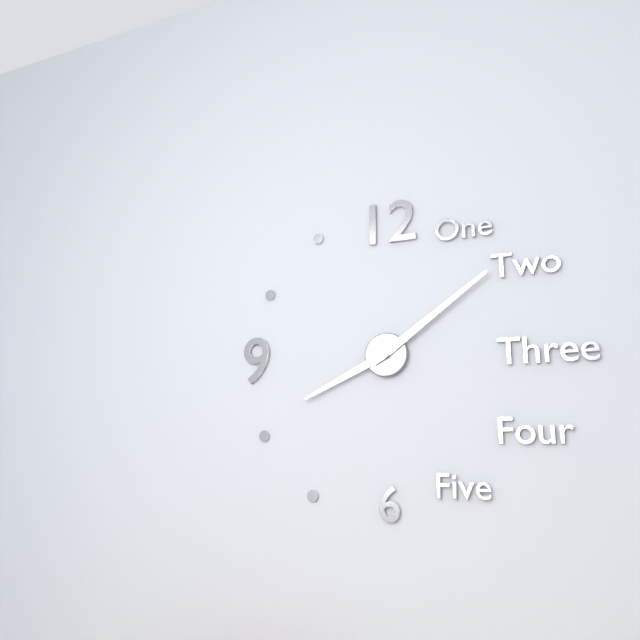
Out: {"hour": 8, "minute": 9}
